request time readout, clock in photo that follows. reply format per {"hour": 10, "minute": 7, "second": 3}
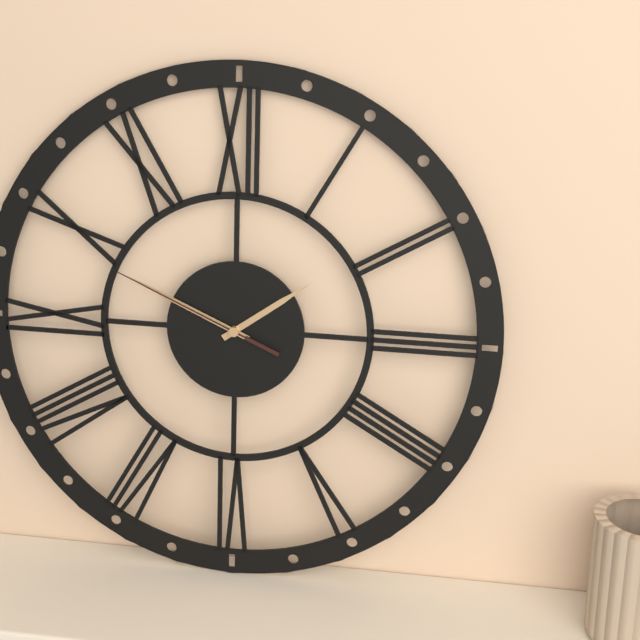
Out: {"hour": 1, "minute": 49, "second": 49}
